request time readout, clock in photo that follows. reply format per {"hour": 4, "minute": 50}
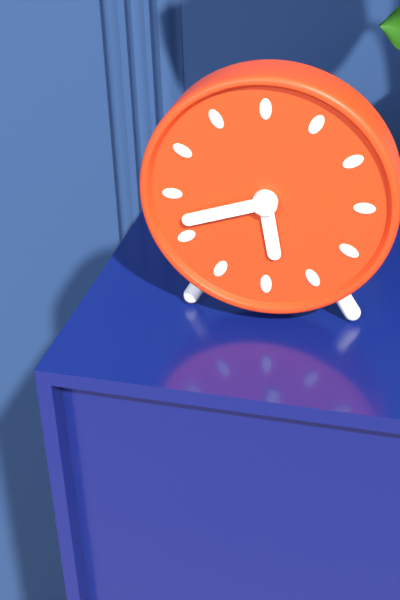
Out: {"hour": 5, "minute": 42}
